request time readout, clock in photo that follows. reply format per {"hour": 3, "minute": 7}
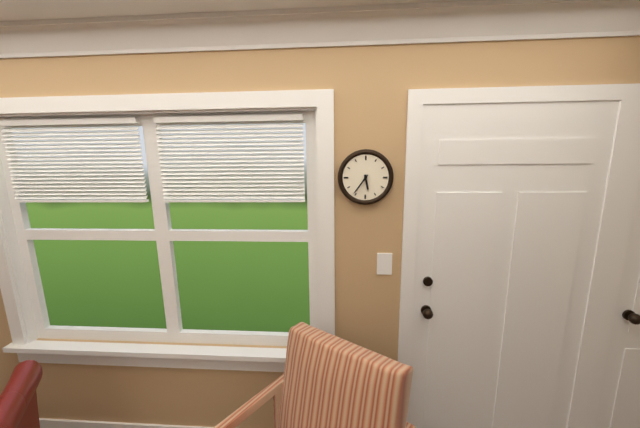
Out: {"hour": 5, "minute": 36}
